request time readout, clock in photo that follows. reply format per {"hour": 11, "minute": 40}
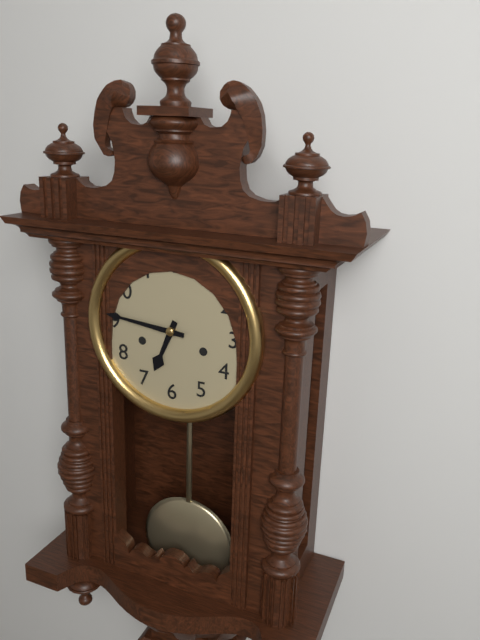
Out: {"hour": 6, "minute": 46}
